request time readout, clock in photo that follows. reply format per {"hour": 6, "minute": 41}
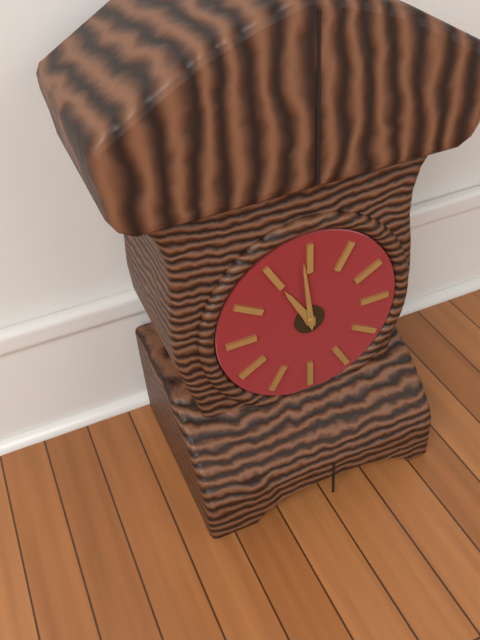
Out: {"hour": 10, "minute": 59}
